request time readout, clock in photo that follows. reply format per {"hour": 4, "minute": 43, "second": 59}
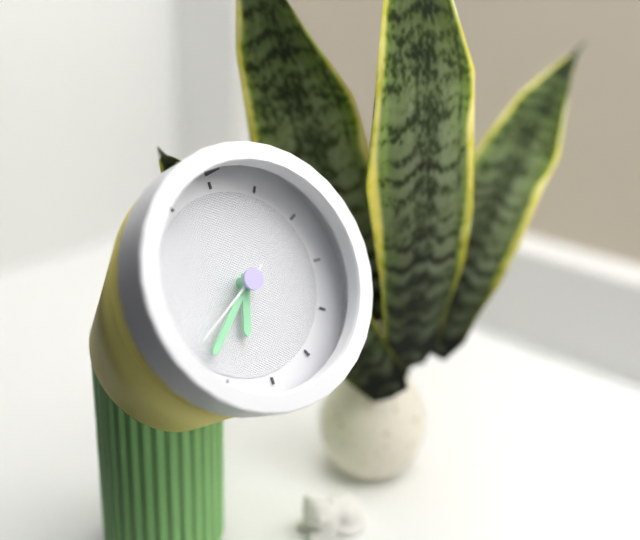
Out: {"hour": 6, "minute": 38, "second": 40}
